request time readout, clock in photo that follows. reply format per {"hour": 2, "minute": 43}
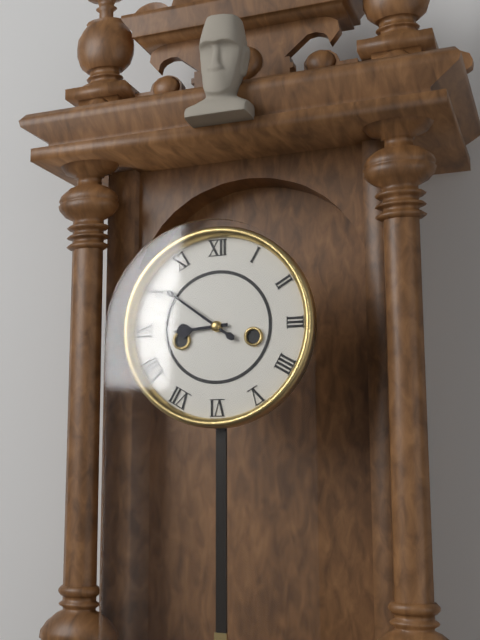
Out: {"hour": 8, "minute": 51}
